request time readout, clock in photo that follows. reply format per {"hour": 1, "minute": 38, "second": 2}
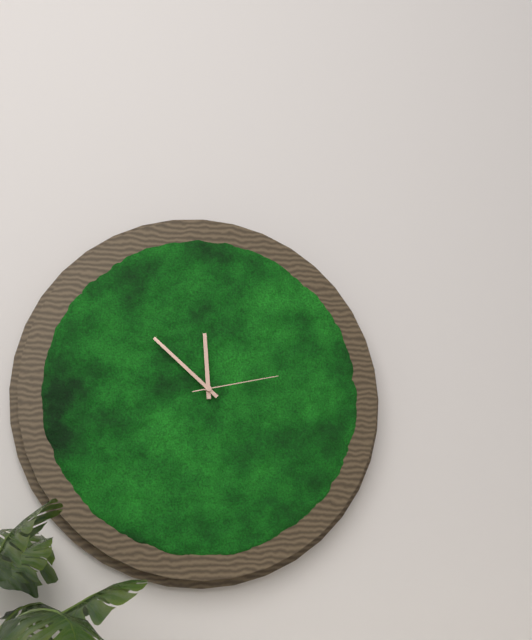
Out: {"hour": 11, "minute": 52, "second": 13}
